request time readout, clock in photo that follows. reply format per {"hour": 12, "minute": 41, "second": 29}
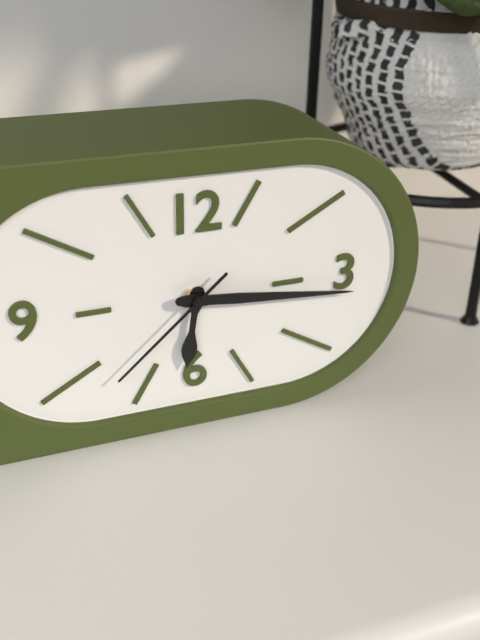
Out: {"hour": 6, "minute": 16, "second": 38}
